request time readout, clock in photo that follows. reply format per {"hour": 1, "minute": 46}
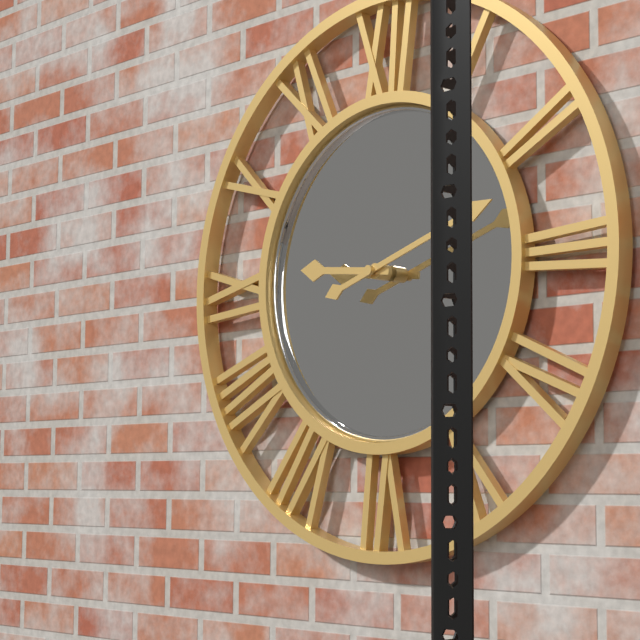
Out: {"hour": 9, "minute": 12}
